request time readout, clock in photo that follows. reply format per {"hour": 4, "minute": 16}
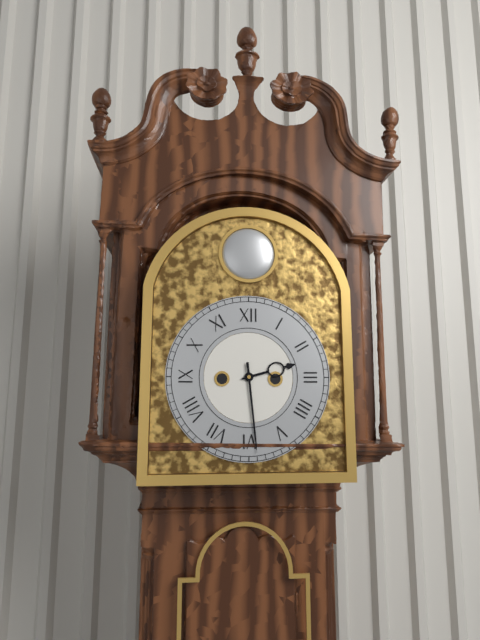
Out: {"hour": 2, "minute": 29}
